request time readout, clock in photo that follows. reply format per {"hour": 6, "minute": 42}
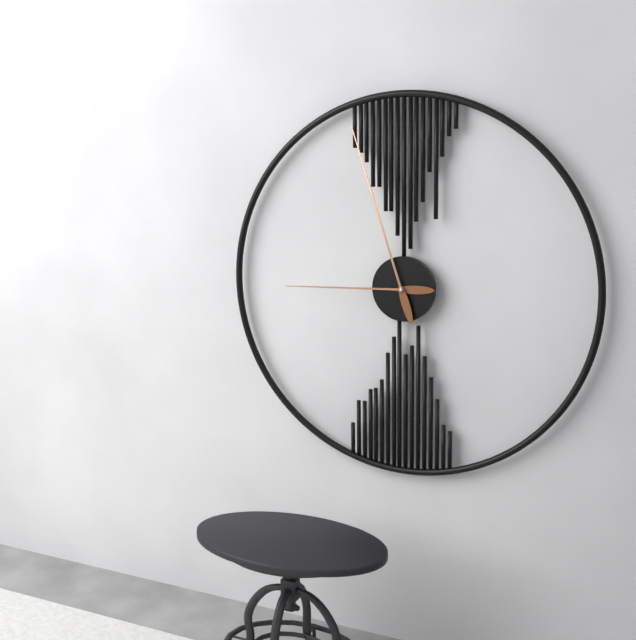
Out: {"hour": 8, "minute": 57}
